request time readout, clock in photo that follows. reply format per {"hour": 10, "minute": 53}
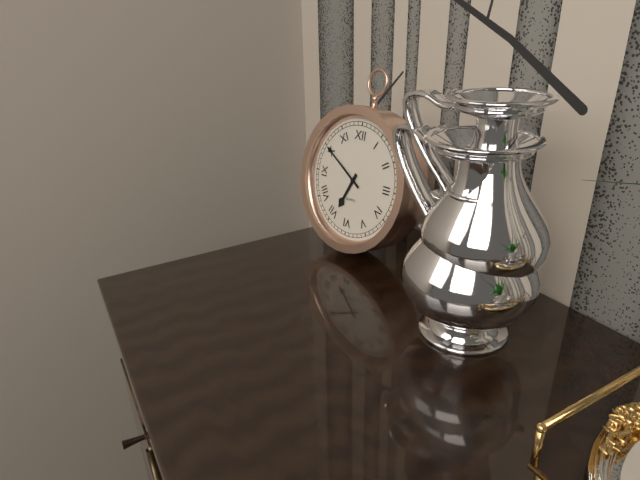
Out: {"hour": 6, "minute": 50}
